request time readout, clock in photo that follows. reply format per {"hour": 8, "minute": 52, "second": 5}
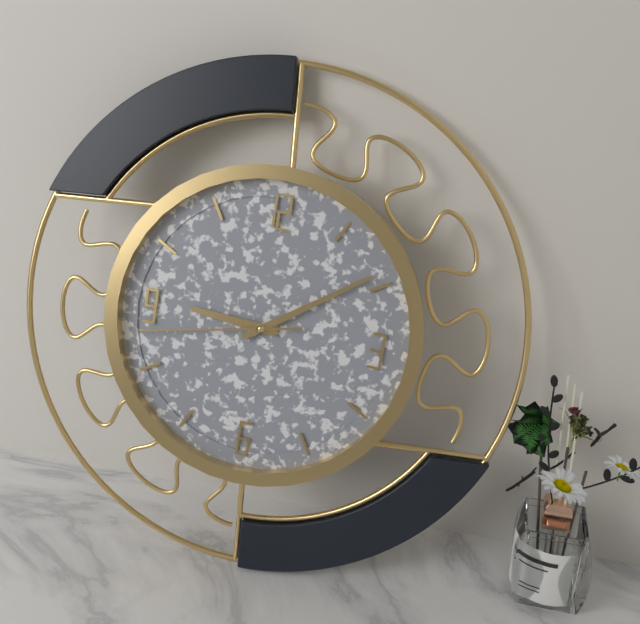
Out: {"hour": 9, "minute": 9, "second": 43}
